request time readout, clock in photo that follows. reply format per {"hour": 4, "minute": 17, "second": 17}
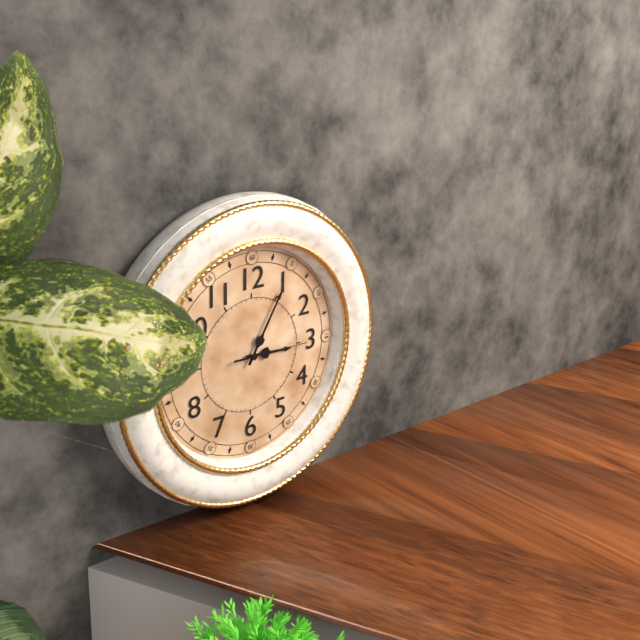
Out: {"hour": 3, "minute": 5, "second": 15}
